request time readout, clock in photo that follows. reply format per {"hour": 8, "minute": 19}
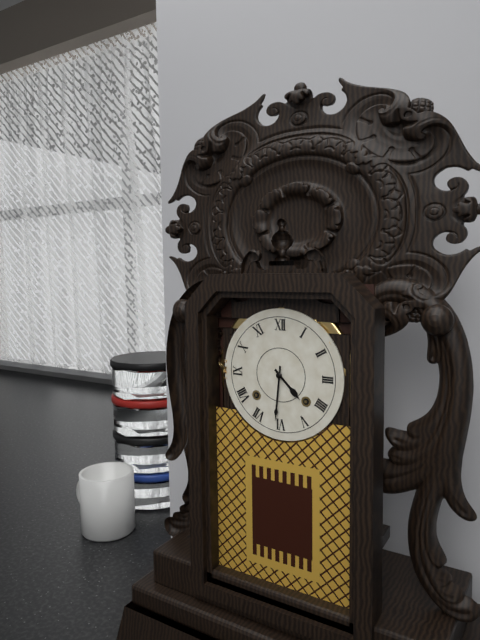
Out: {"hour": 4, "minute": 31}
